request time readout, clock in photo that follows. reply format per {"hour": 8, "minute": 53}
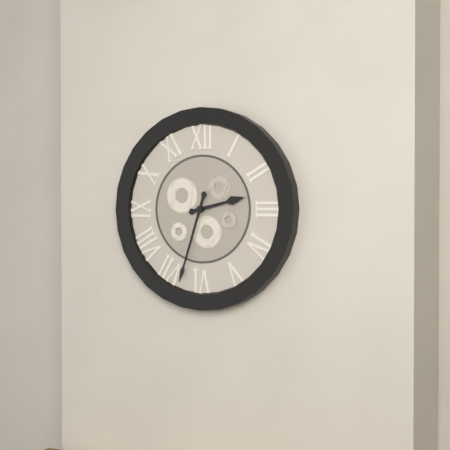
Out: {"hour": 2, "minute": 33}
